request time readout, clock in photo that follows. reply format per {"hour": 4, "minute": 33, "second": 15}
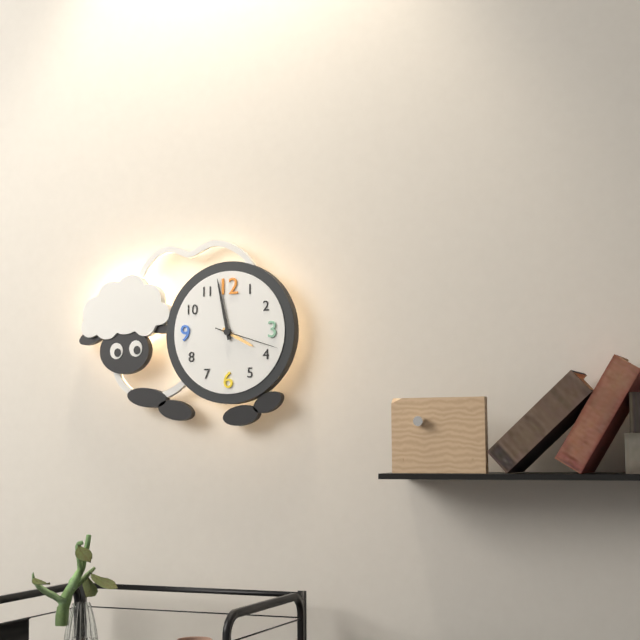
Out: {"hour": 3, "minute": 58, "second": 18}
